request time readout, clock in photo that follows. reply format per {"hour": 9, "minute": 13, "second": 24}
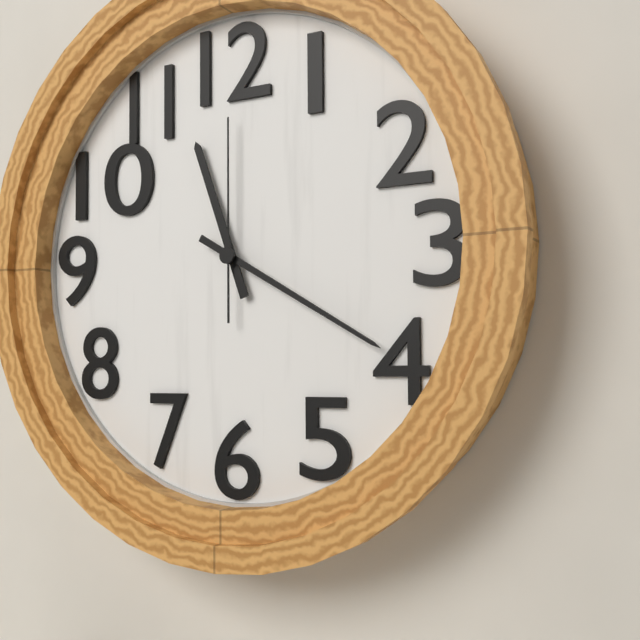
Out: {"hour": 11, "minute": 20, "second": 0}
